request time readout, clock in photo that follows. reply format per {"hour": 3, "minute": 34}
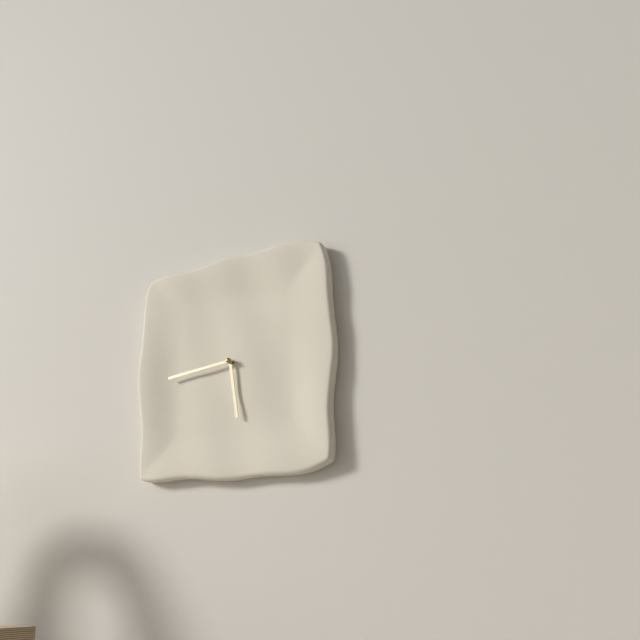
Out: {"hour": 5, "minute": 44}
